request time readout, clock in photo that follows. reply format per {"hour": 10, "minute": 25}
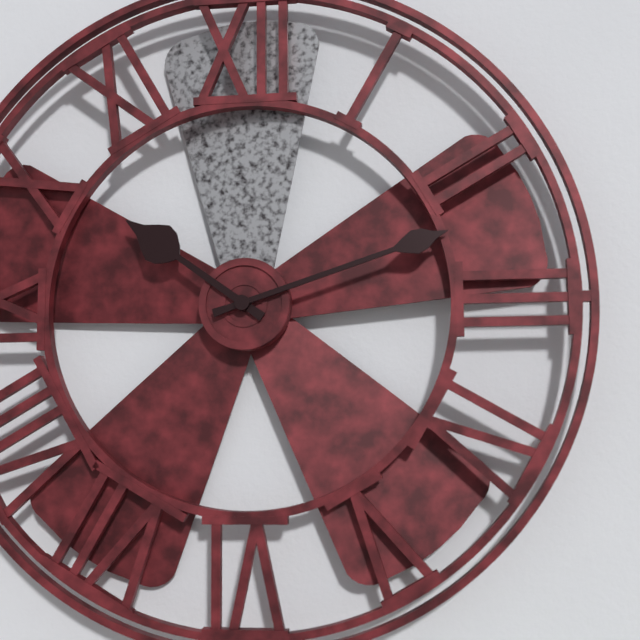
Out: {"hour": 10, "minute": 12}
